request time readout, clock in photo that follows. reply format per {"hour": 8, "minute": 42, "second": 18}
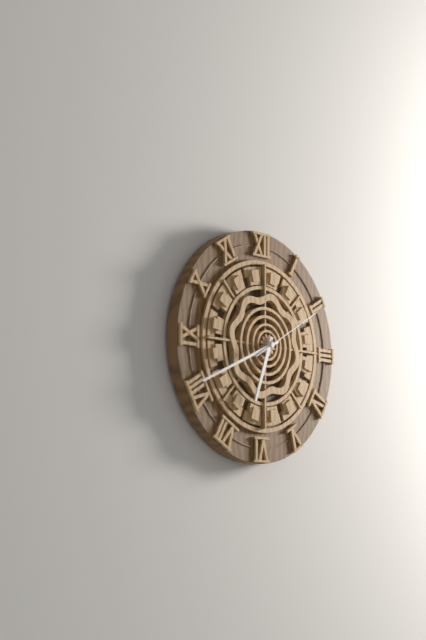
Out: {"hour": 6, "minute": 41, "second": 10}
